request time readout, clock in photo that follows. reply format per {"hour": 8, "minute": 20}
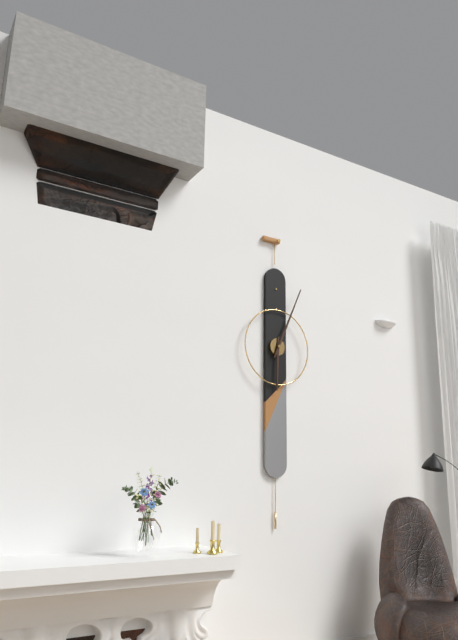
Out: {"hour": 6, "minute": 4}
